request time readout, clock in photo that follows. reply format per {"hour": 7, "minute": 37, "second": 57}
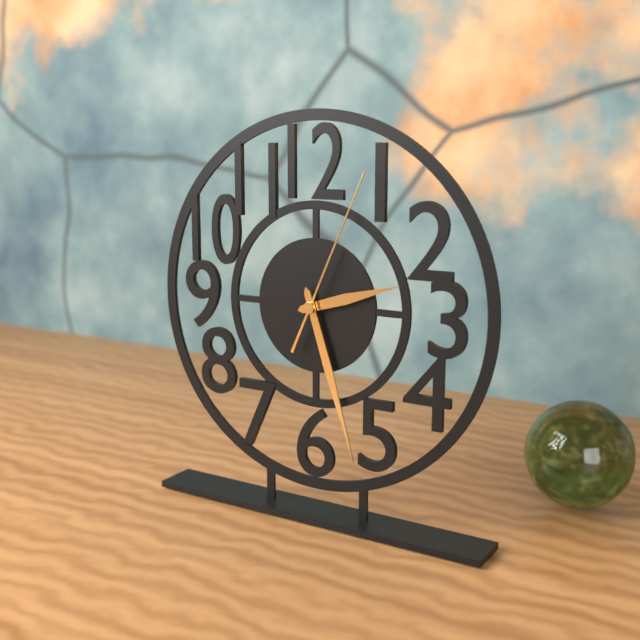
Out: {"hour": 2, "minute": 27, "second": 4}
